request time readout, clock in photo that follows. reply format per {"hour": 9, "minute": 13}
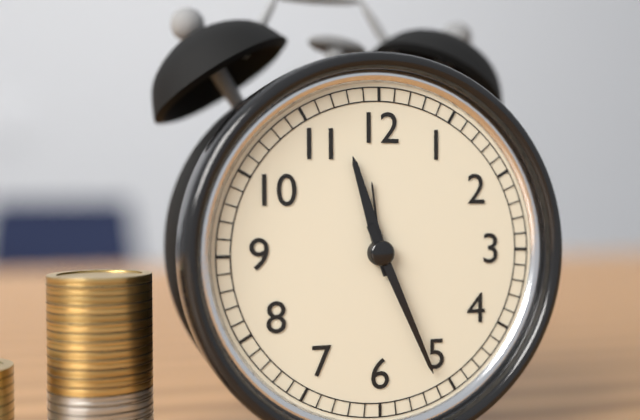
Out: {"hour": 11, "minute": 26}
